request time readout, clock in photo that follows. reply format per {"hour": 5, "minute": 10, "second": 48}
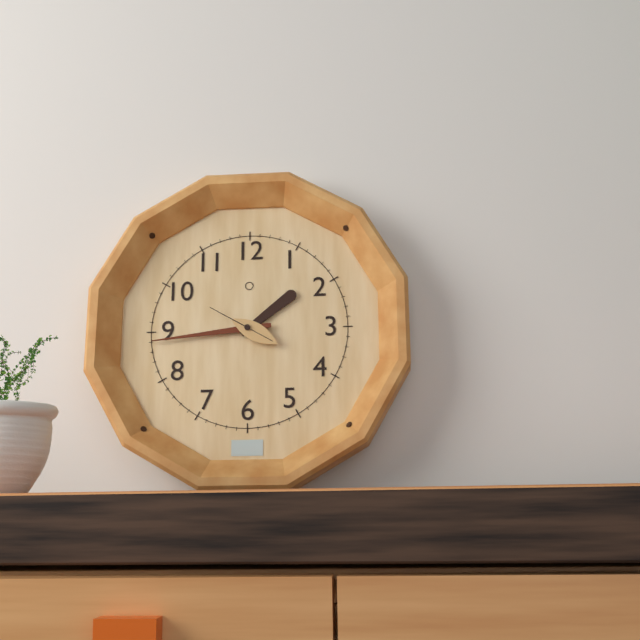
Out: {"hour": 1, "minute": 44, "second": 50}
